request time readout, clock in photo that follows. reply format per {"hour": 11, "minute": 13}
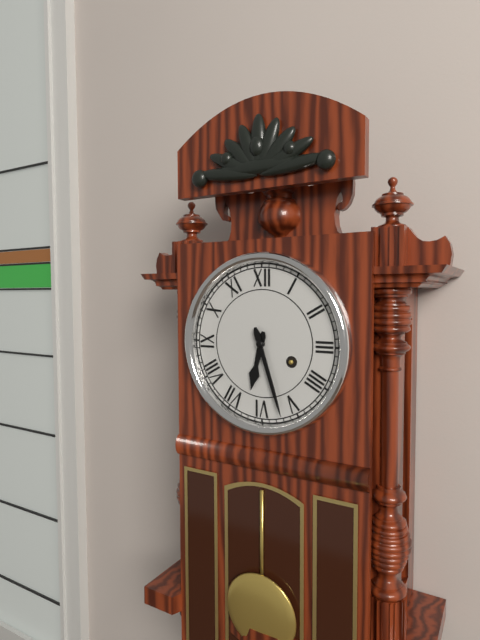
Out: {"hour": 6, "minute": 27}
